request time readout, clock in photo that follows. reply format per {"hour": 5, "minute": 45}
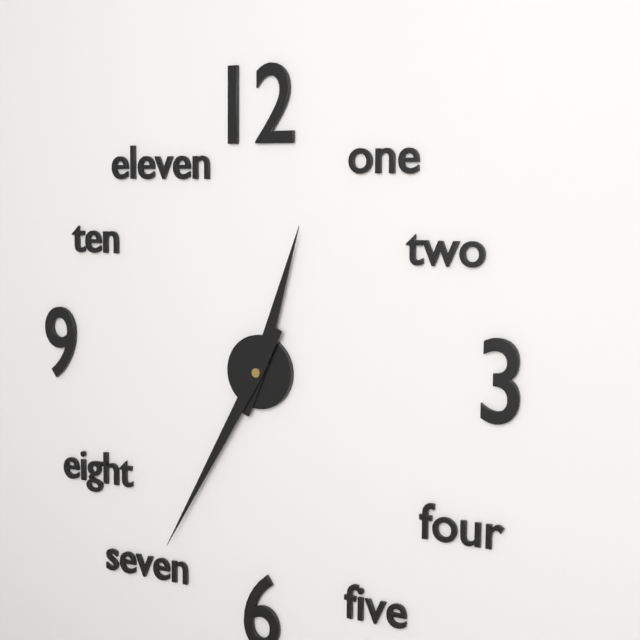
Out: {"hour": 12, "minute": 35}
